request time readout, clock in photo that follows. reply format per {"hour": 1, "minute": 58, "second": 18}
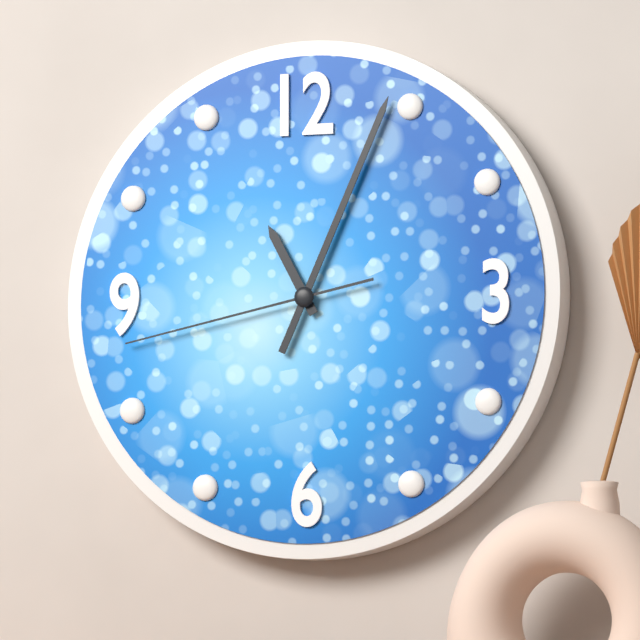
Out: {"hour": 11, "minute": 4, "second": 43}
